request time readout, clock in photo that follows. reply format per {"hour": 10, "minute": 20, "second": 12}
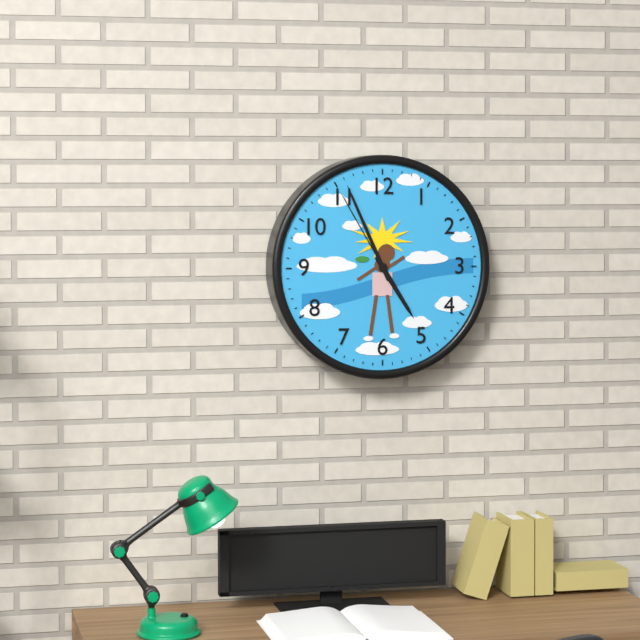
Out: {"hour": 4, "minute": 56, "second": 55}
